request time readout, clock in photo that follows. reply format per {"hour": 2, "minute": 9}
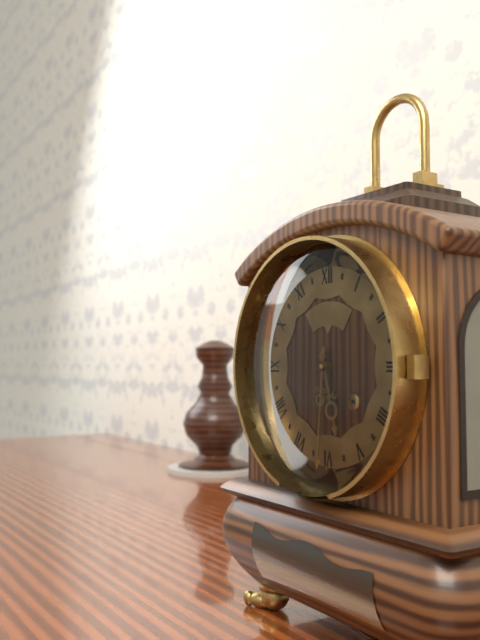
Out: {"hour": 5, "minute": 31}
